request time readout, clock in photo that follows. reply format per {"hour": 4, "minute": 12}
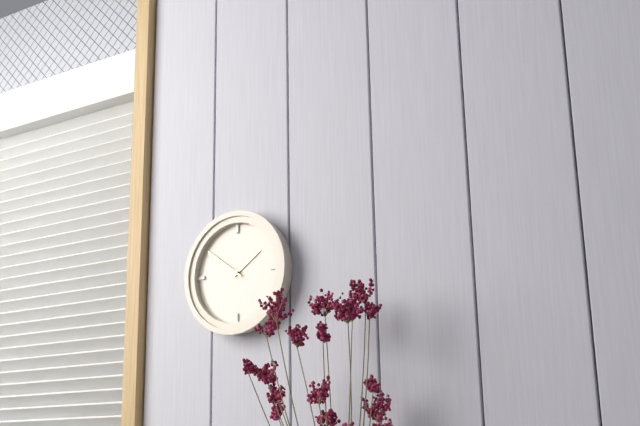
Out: {"hour": 1, "minute": 51}
